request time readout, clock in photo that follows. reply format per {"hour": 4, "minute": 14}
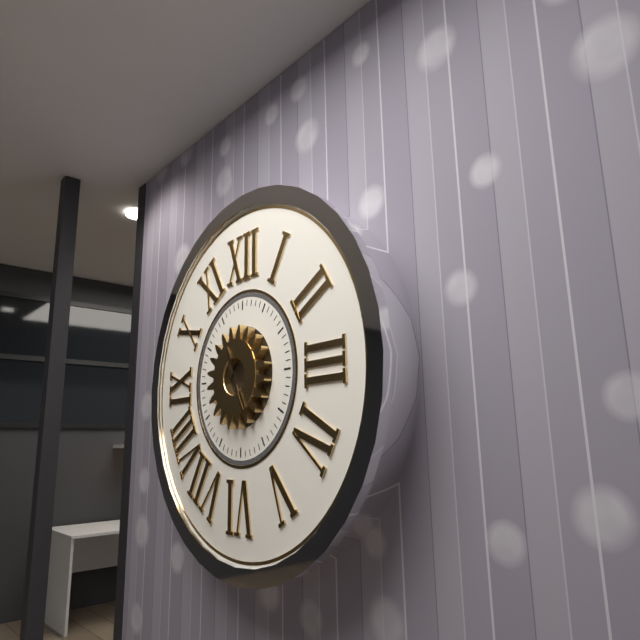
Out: {"hour": 11, "minute": 25}
